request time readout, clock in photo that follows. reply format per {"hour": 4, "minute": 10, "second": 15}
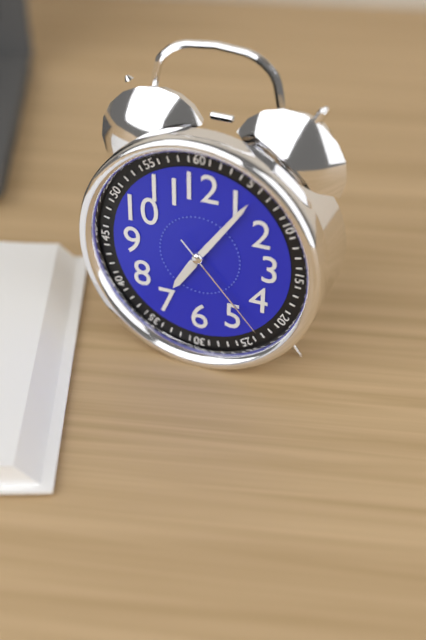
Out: {"hour": 7, "minute": 6, "second": 23}
